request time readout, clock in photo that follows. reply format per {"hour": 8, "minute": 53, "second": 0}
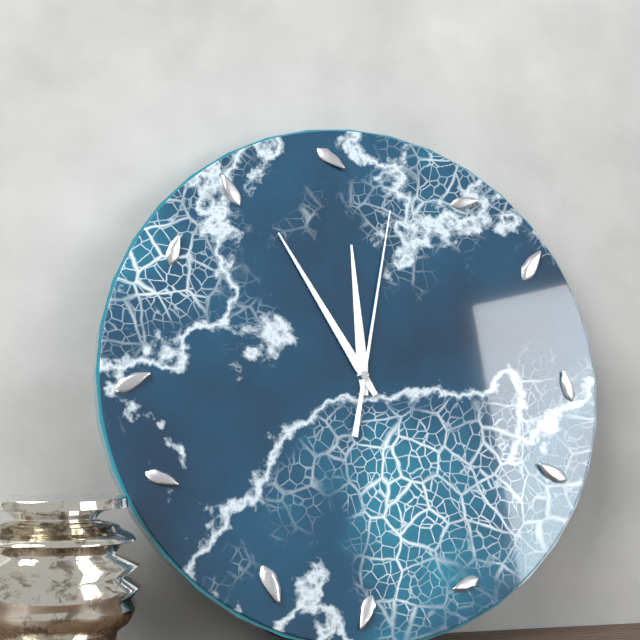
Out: {"hour": 11, "minute": 55, "second": 2}
